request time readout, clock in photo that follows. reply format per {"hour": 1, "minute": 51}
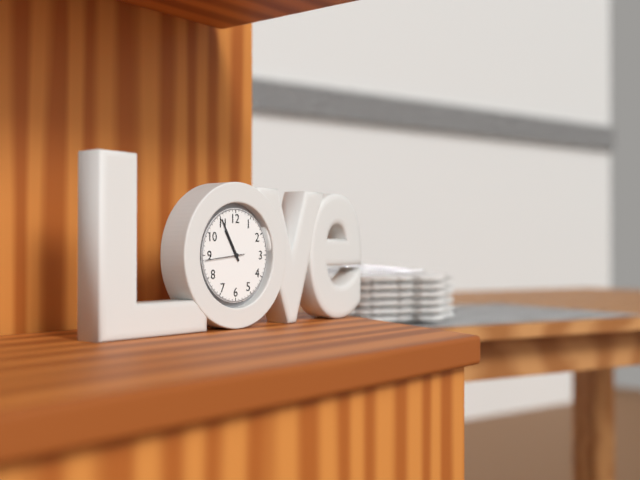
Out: {"hour": 10, "minute": 55}
